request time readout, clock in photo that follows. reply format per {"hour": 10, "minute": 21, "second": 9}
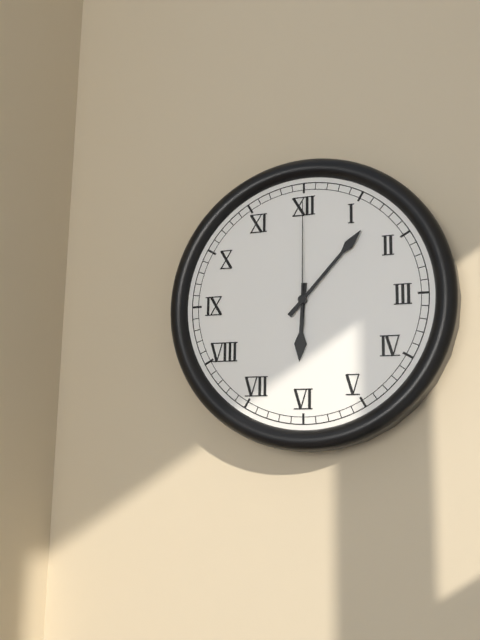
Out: {"hour": 6, "minute": 7, "second": 0}
